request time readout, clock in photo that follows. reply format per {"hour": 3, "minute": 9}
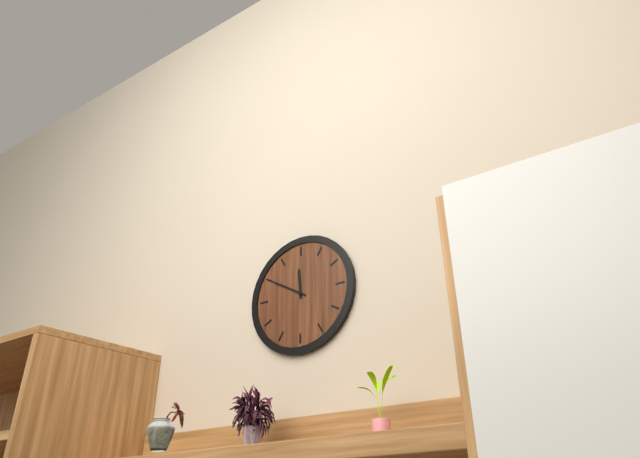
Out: {"hour": 11, "minute": 50}
